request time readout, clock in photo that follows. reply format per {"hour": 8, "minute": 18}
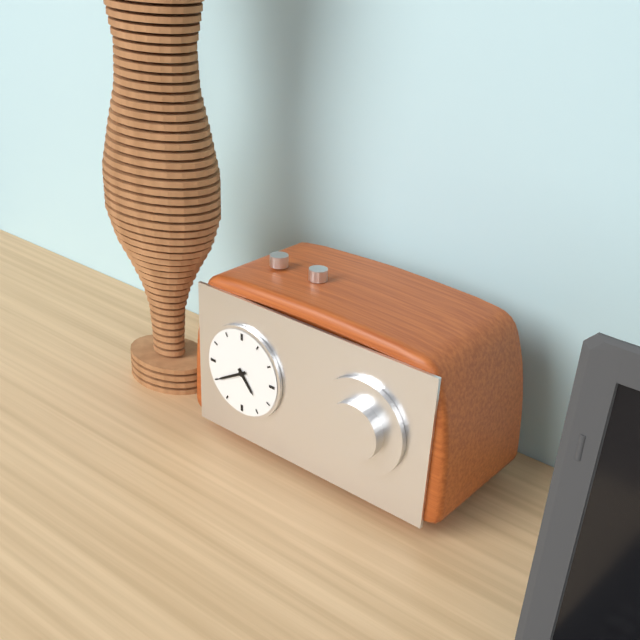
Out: {"hour": 4, "minute": 40}
